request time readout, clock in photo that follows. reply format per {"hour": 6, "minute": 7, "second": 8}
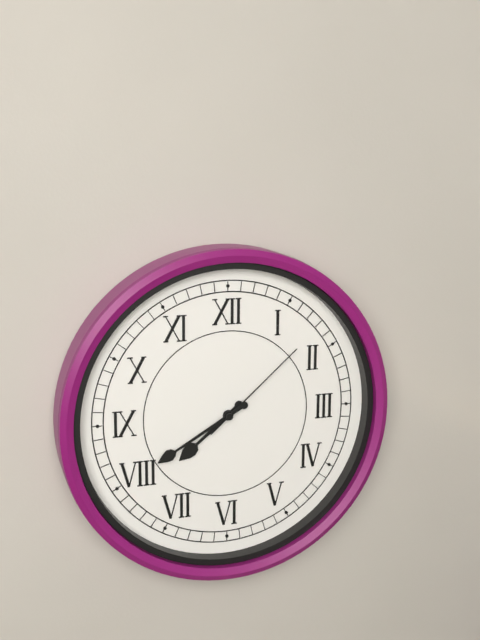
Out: {"hour": 7, "minute": 40, "second": 8}
